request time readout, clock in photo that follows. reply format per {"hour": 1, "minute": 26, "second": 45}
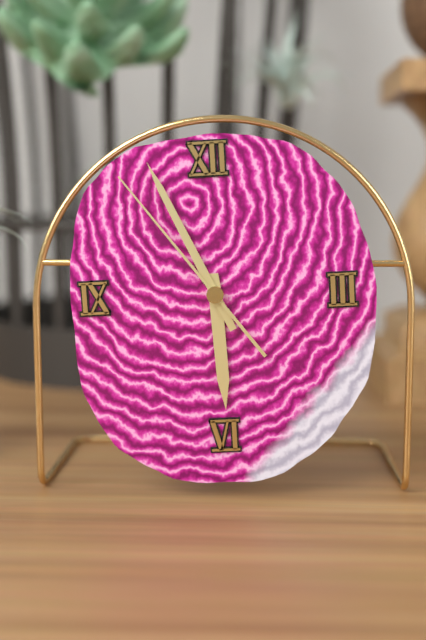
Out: {"hour": 5, "minute": 56, "second": 54}
